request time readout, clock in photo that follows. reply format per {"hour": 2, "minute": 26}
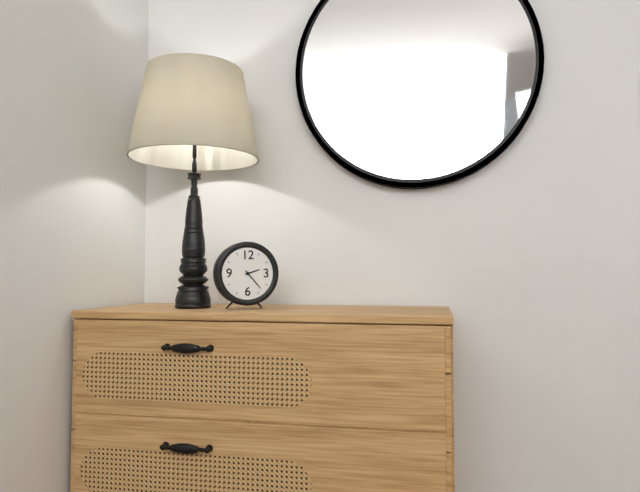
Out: {"hour": 2, "minute": 23}
